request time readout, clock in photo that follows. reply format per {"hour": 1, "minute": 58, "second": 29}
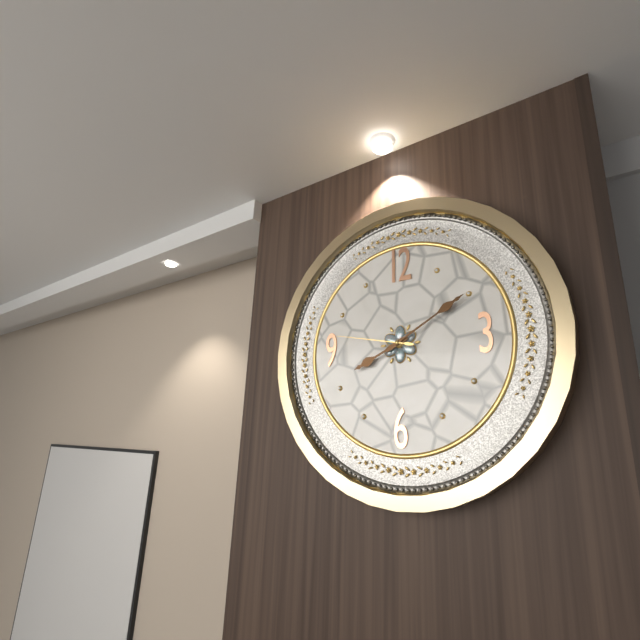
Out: {"hour": 8, "minute": 10, "second": 47}
